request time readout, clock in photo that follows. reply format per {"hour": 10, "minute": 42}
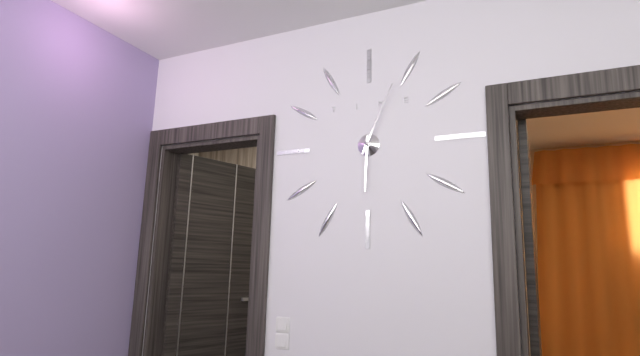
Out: {"hour": 6, "minute": 4}
